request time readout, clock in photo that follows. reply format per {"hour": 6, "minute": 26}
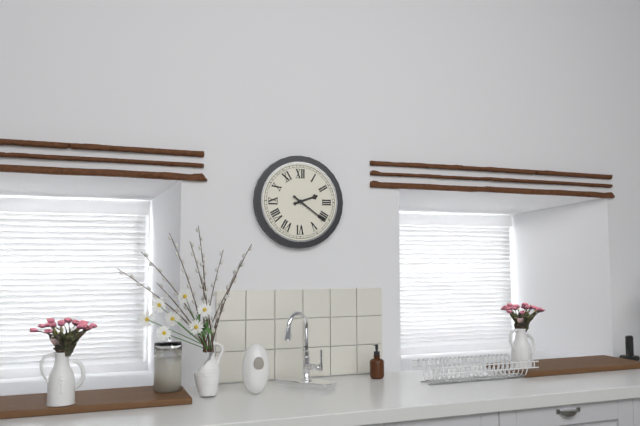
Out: {"hour": 2, "minute": 21}
